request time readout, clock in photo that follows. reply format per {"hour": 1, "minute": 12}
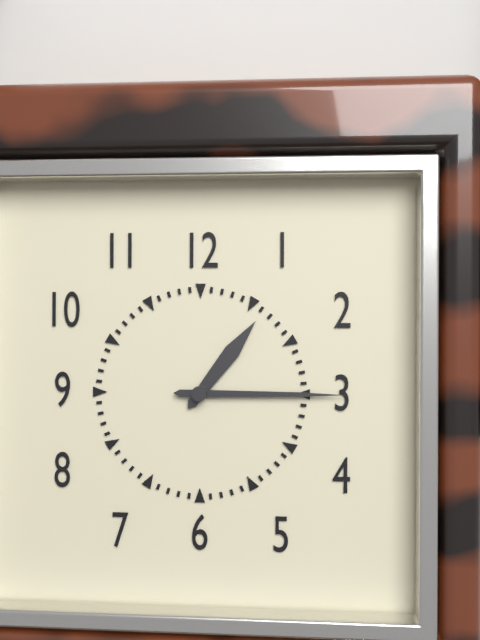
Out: {"hour": 1, "minute": 15}
